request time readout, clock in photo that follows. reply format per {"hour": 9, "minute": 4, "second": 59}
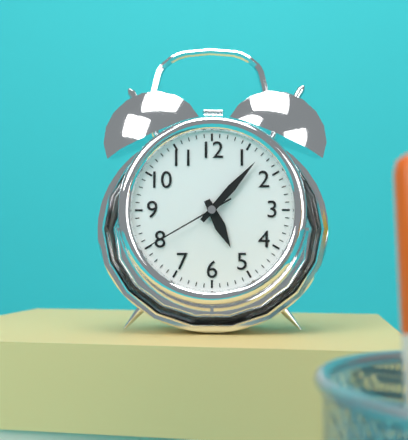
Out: {"hour": 5, "minute": 7, "second": 40}
